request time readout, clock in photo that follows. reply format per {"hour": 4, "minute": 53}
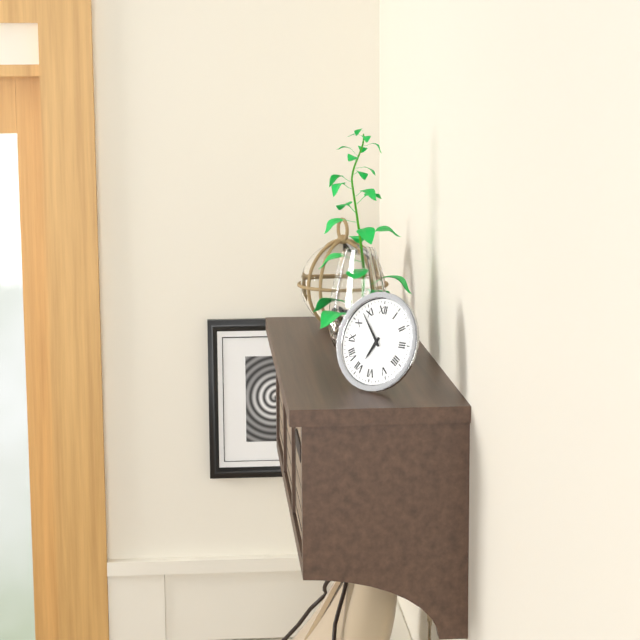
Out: {"hour": 6, "minute": 53}
